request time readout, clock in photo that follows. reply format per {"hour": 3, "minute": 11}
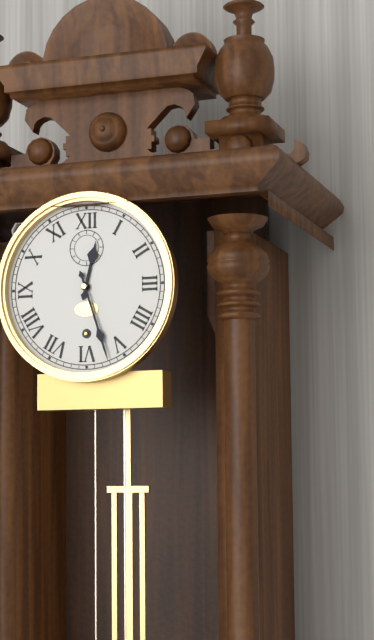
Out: {"hour": 12, "minute": 27}
